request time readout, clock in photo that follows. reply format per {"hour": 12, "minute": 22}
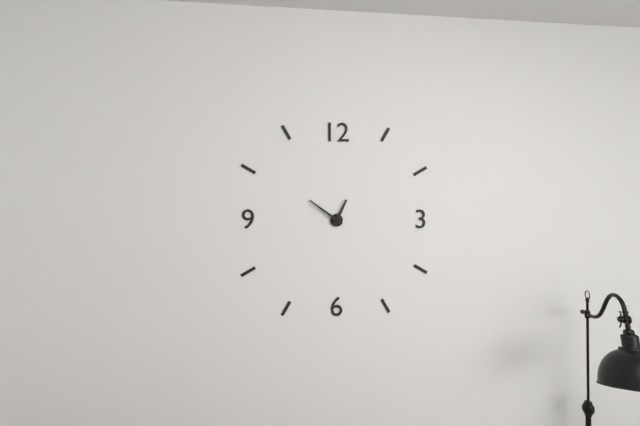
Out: {"hour": 12, "minute": 51}
